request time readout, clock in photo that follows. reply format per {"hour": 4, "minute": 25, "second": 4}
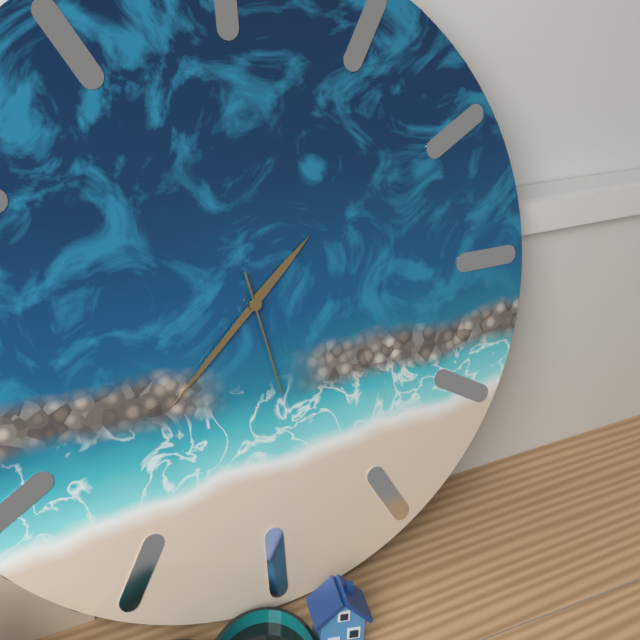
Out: {"hour": 1, "minute": 38, "second": 28}
